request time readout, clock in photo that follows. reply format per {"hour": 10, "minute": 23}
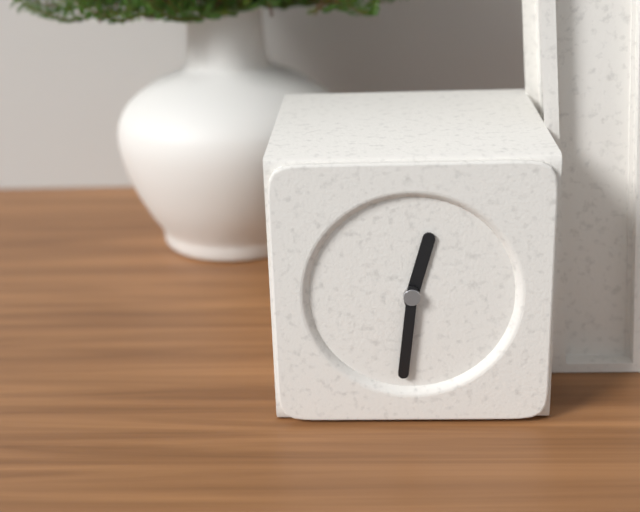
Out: {"hour": 12, "minute": 31}
